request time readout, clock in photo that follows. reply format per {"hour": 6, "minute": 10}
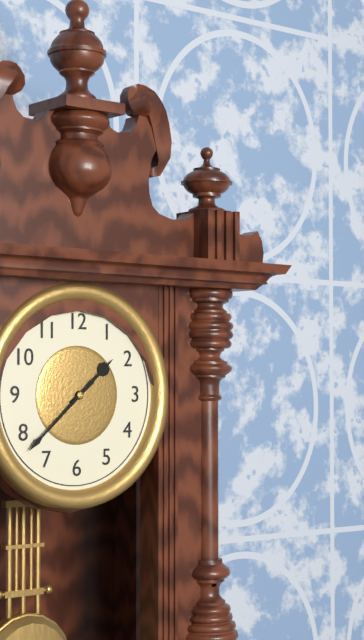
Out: {"hour": 1, "minute": 38}
